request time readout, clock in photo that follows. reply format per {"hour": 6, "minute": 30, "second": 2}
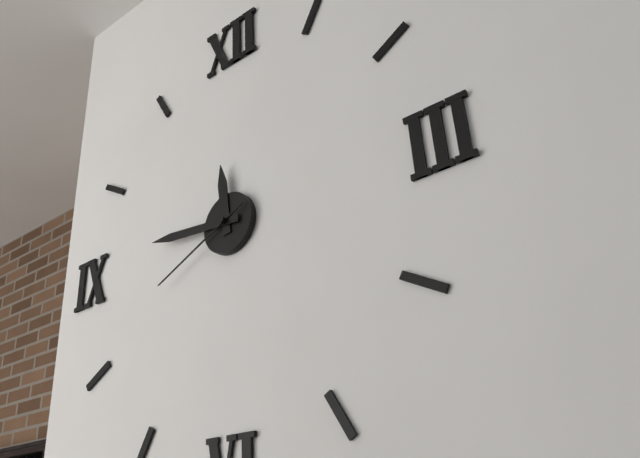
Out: {"hour": 11, "minute": 46, "second": 41}
